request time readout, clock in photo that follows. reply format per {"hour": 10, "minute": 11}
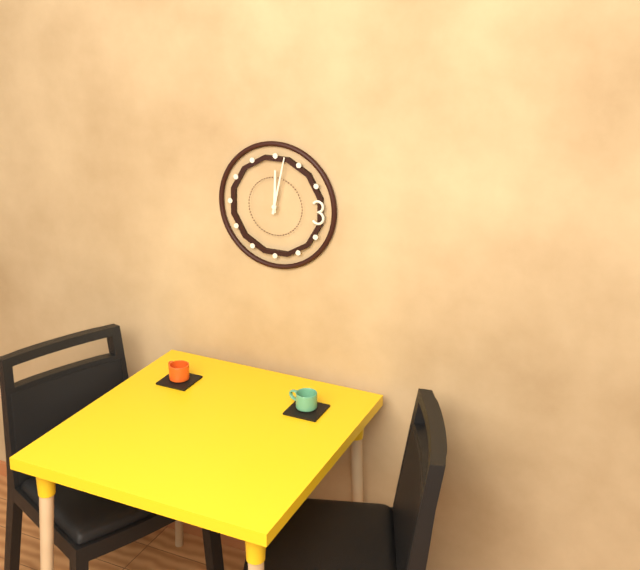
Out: {"hour": 12, "minute": 2}
